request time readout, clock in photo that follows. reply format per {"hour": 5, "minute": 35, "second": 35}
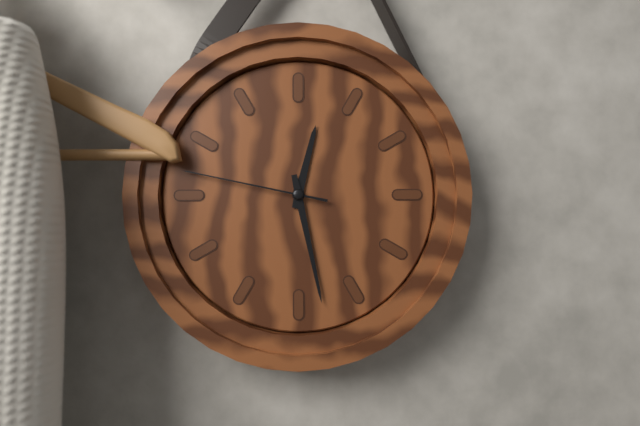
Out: {"hour": 12, "minute": 28, "second": 47}
